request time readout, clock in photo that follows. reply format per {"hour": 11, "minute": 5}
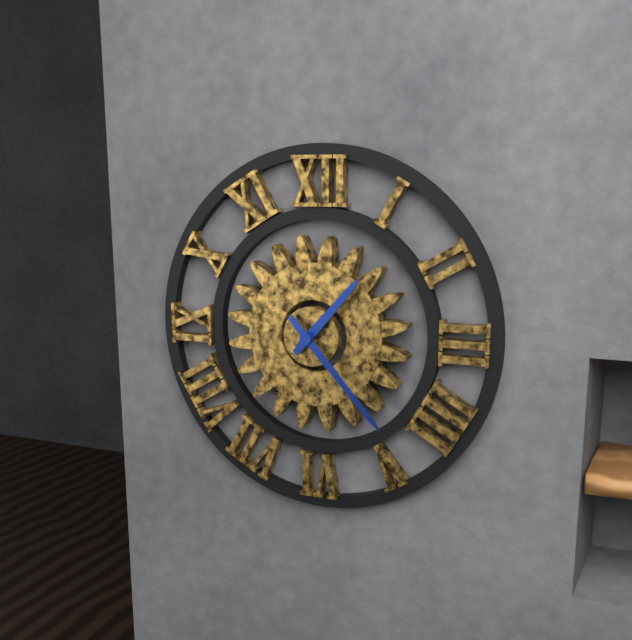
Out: {"hour": 1, "minute": 23}
